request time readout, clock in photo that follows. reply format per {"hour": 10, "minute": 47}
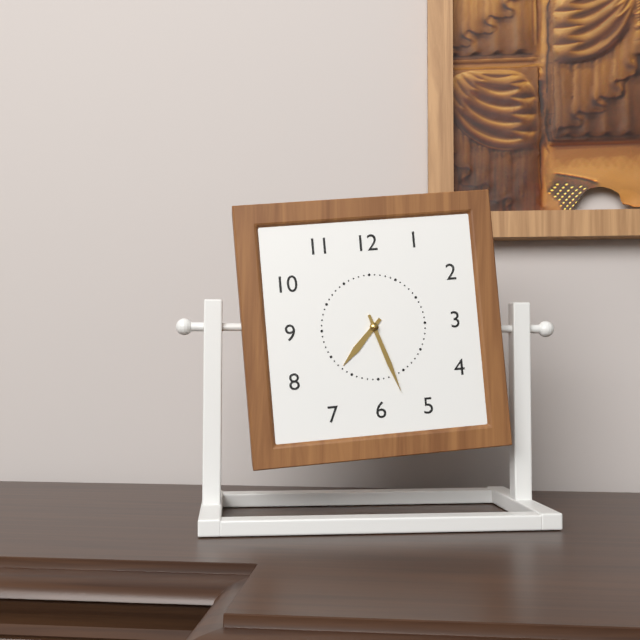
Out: {"hour": 7, "minute": 27}
